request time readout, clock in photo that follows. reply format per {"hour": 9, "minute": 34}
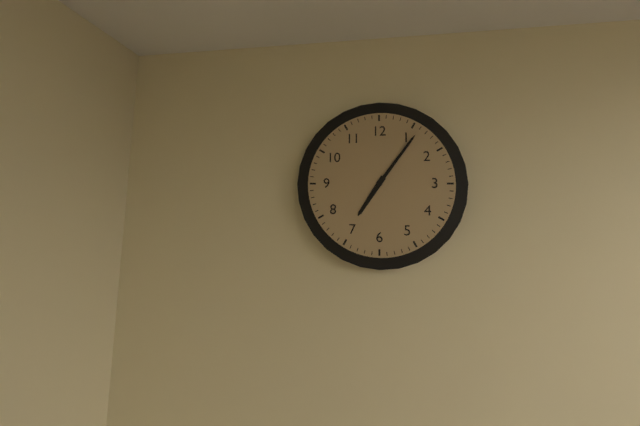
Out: {"hour": 7, "minute": 6}
